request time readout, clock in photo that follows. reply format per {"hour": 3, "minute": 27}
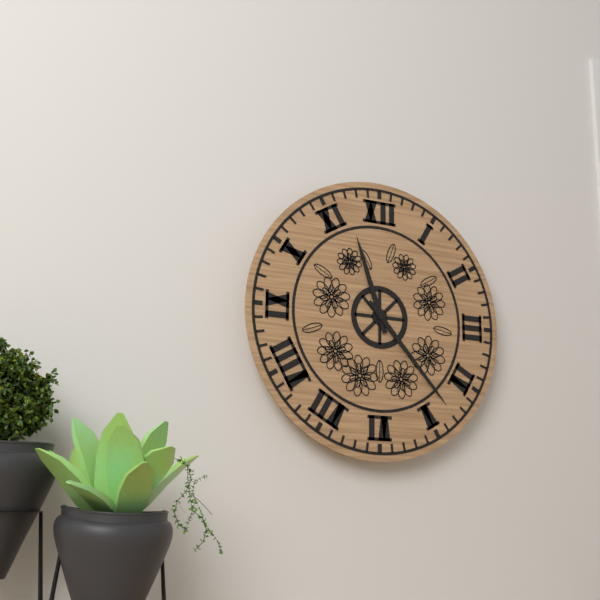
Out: {"hour": 11, "minute": 23}
